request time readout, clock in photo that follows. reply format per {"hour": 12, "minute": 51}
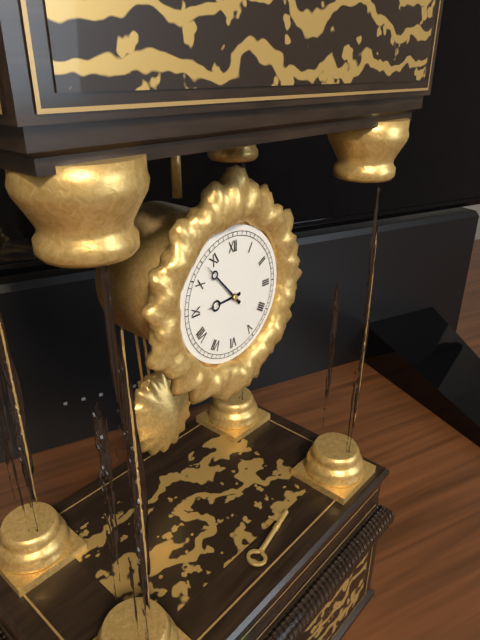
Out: {"hour": 8, "minute": 53}
